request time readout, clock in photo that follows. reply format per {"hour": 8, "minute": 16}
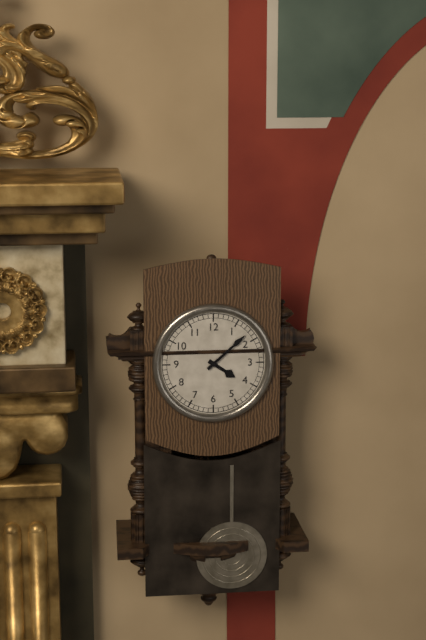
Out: {"hour": 4, "minute": 8}
